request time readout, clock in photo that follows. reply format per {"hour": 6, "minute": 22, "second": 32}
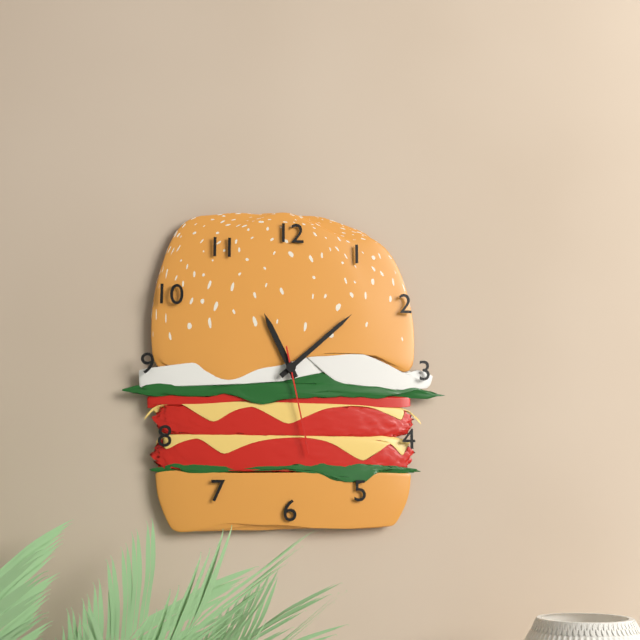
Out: {"hour": 11, "minute": 8, "second": 28}
